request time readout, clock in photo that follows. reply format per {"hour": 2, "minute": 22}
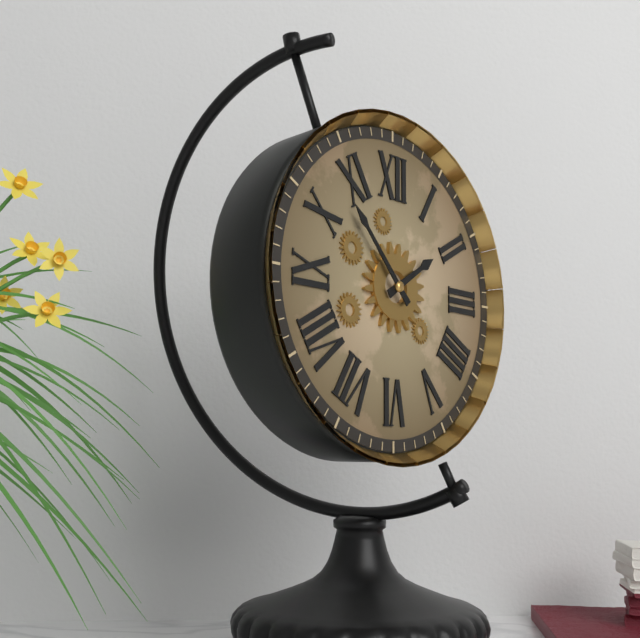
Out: {"hour": 1, "minute": 53}
